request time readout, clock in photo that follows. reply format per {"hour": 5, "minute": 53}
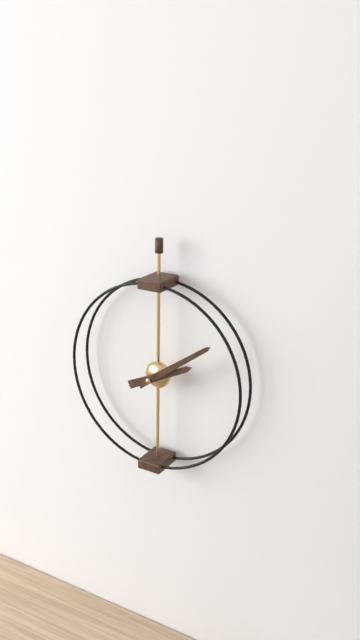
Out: {"hour": 2, "minute": 9}
